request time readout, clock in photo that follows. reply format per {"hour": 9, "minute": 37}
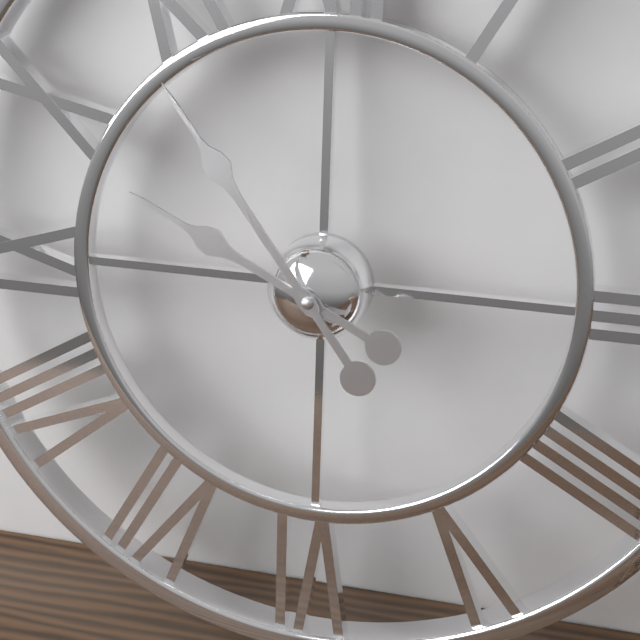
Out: {"hour": 9, "minute": 54}
